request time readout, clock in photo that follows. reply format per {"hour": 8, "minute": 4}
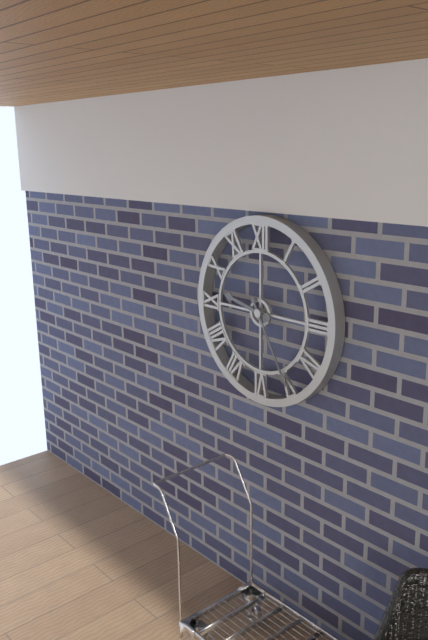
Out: {"hour": 9, "minute": 25}
